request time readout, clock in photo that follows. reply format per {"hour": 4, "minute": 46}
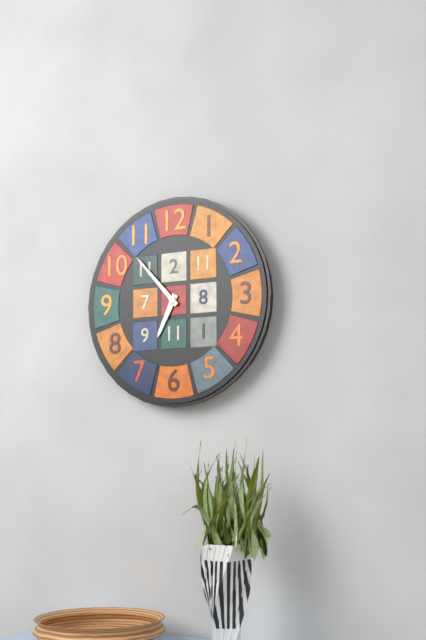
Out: {"hour": 6, "minute": 53}
